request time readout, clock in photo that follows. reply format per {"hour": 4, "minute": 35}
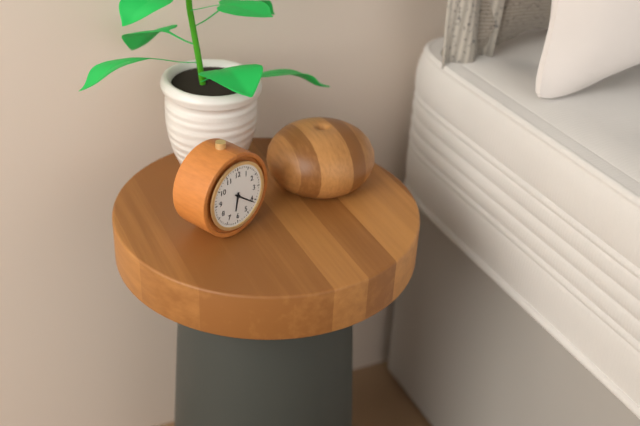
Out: {"hour": 6, "minute": 21}
